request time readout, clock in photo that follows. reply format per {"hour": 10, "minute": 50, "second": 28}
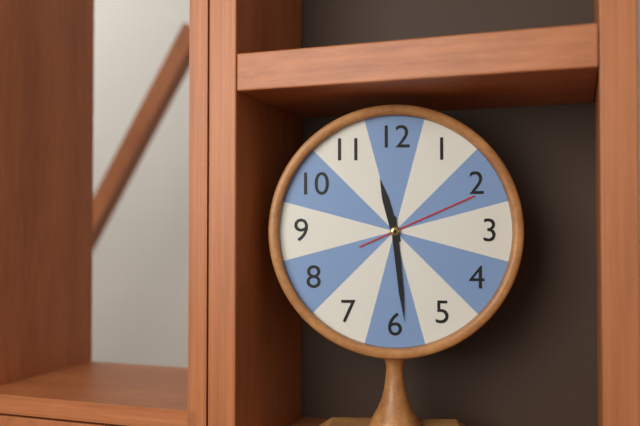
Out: {"hour": 11, "minute": 29, "second": 11}
